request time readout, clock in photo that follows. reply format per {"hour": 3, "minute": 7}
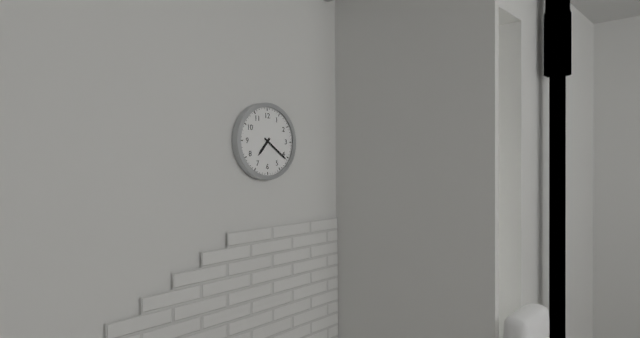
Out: {"hour": 7, "minute": 21}
